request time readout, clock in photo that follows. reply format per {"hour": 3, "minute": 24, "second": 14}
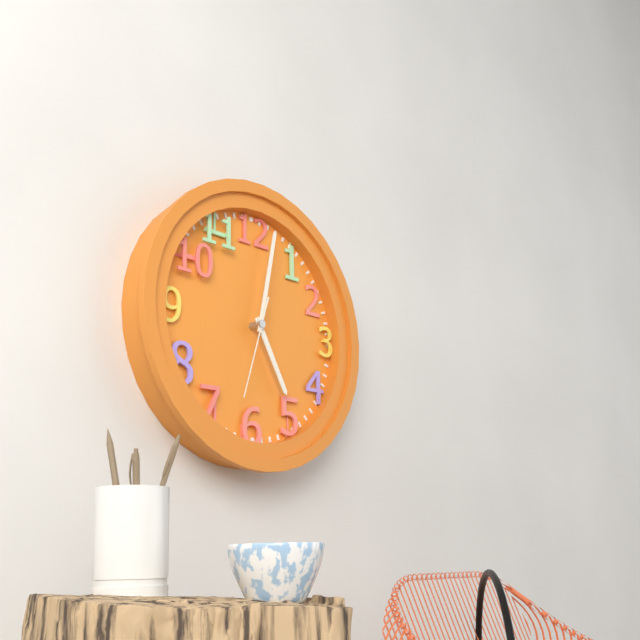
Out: {"hour": 5, "minute": 2, "second": 33}
